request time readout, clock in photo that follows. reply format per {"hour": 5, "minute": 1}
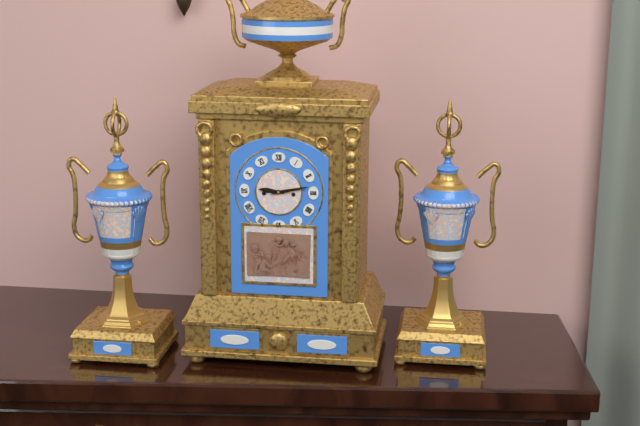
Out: {"hour": 9, "minute": 13}
